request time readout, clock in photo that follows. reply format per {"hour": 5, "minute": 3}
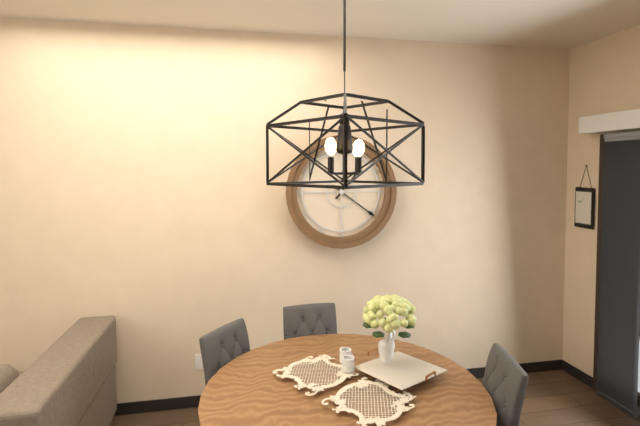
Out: {"hour": 1, "minute": 21}
